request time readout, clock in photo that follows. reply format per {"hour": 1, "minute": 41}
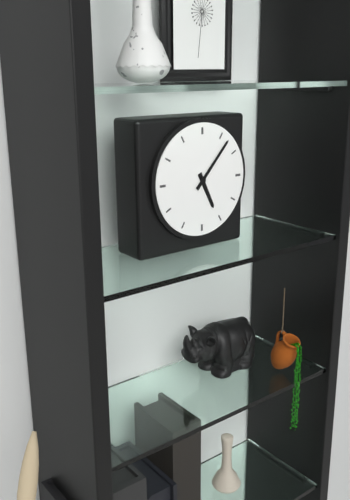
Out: {"hour": 5, "minute": 7}
